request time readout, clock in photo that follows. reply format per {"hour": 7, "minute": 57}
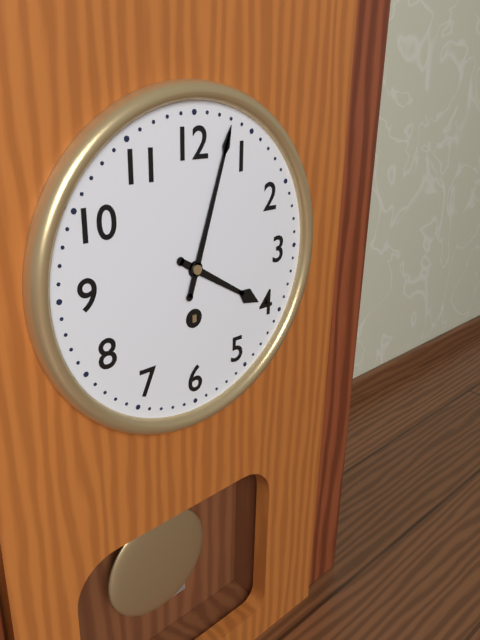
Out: {"hour": 4, "minute": 3}
